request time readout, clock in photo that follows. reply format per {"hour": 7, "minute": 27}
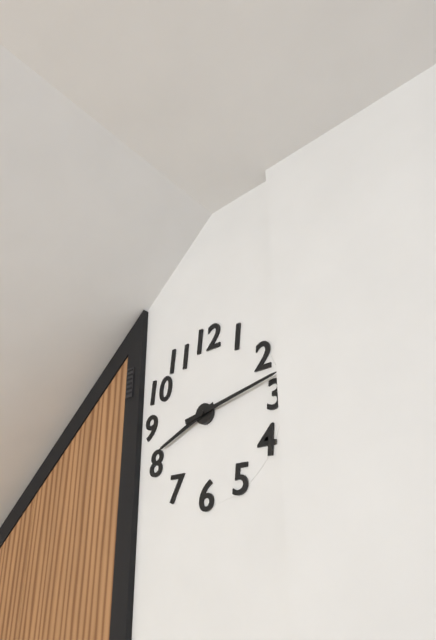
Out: {"hour": 8, "minute": 13}
